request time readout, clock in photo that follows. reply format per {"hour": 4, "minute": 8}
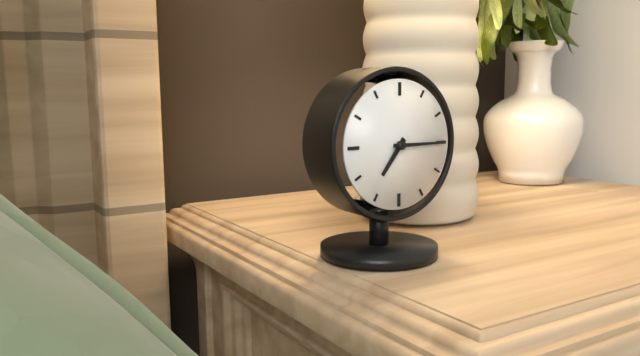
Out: {"hour": 7, "minute": 15}
